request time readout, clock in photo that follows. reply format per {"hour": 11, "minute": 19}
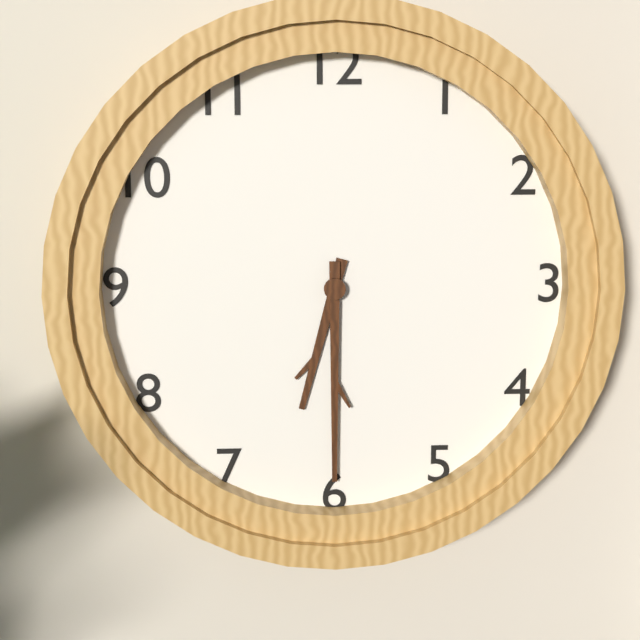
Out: {"hour": 6, "minute": 30}
